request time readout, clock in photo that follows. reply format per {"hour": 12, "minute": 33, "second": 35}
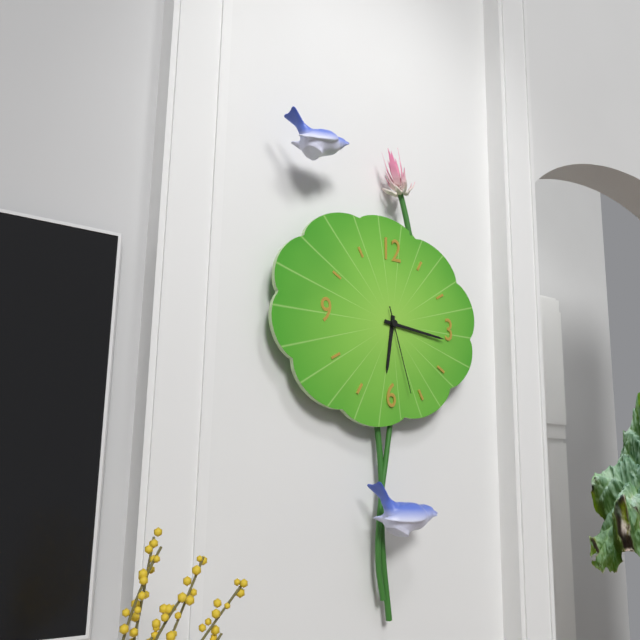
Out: {"hour": 6, "minute": 16, "second": 27}
